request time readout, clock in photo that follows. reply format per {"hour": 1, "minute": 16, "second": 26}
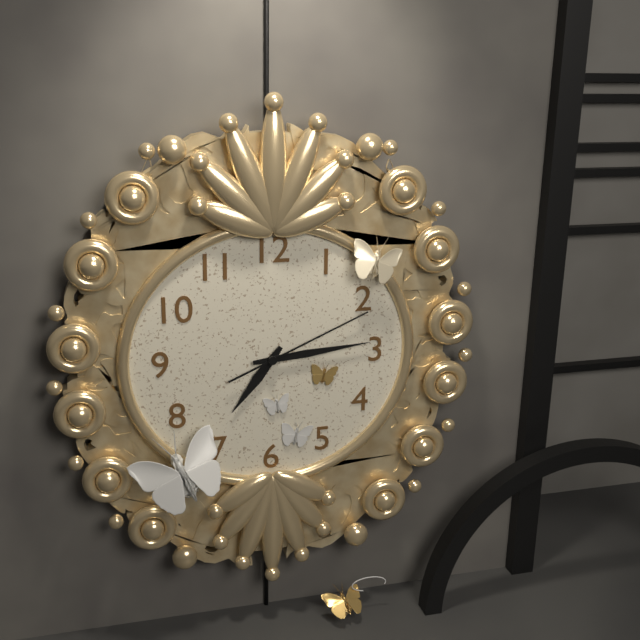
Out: {"hour": 7, "minute": 14, "second": 11}
